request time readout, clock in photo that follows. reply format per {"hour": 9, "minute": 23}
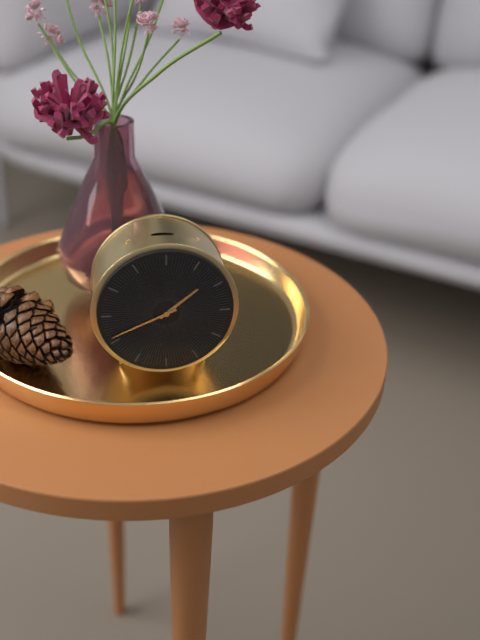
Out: {"hour": 1, "minute": 41}
